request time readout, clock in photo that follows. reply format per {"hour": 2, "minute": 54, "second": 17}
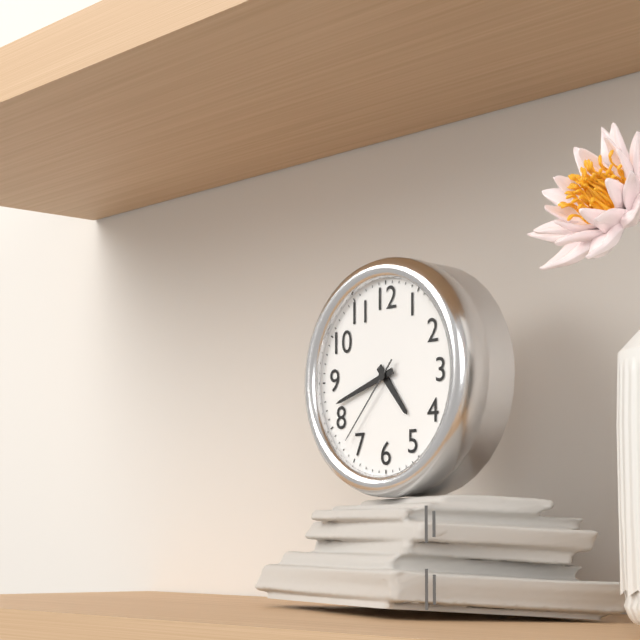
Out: {"hour": 4, "minute": 42, "second": 37}
